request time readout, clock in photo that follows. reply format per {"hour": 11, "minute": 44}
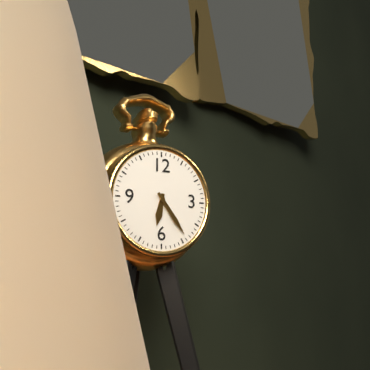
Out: {"hour": 6, "minute": 24}
